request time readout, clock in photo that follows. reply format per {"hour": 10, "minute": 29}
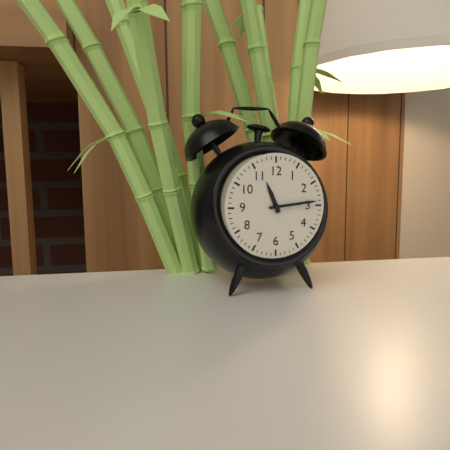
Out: {"hour": 11, "minute": 14}
